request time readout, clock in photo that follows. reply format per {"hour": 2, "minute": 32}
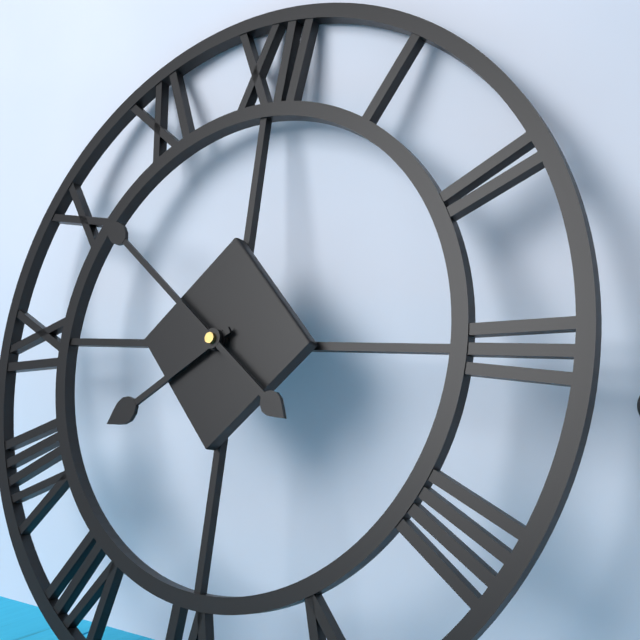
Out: {"hour": 7, "minute": 51}
